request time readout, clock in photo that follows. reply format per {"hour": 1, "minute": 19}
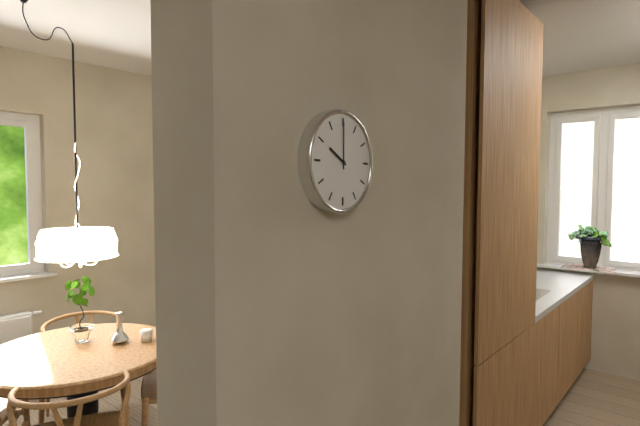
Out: {"hour": 10, "minute": 0}
